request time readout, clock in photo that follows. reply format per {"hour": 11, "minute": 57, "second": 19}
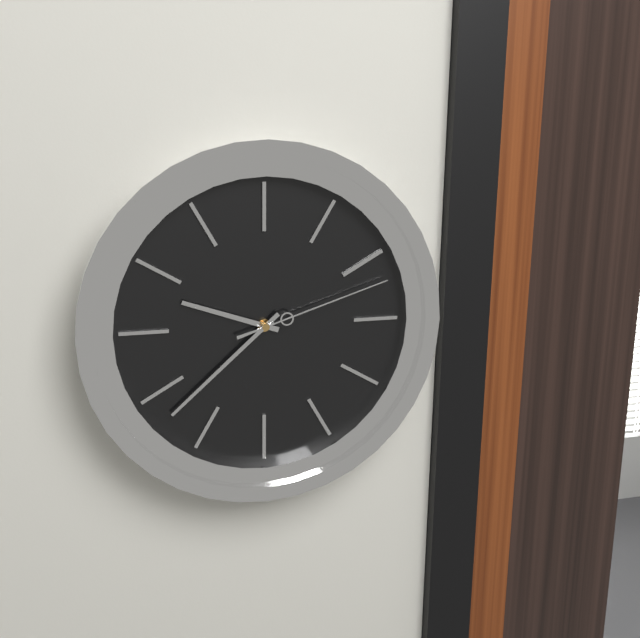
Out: {"hour": 9, "minute": 38, "second": 12}
